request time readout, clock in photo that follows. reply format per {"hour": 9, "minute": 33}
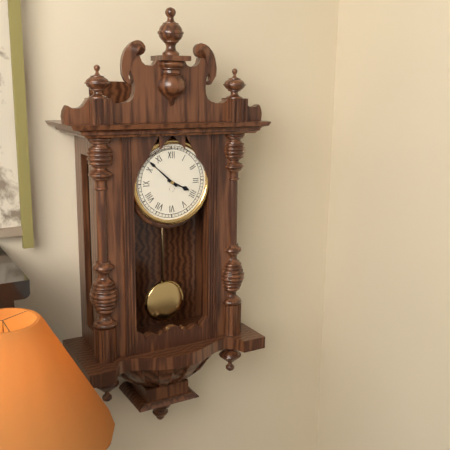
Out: {"hour": 3, "minute": 52}
